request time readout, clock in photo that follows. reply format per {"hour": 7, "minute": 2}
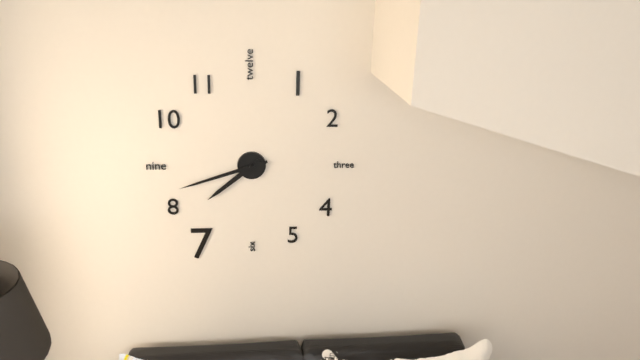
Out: {"hour": 7, "minute": 42}
